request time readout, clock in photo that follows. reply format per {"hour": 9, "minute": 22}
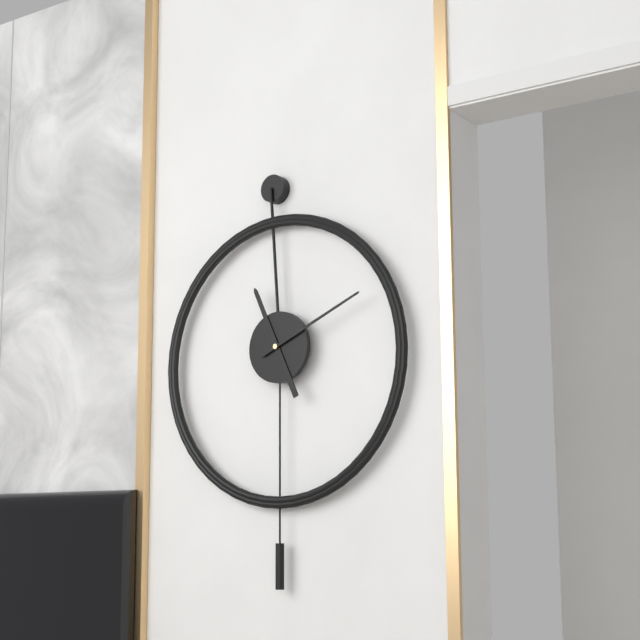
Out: {"hour": 11, "minute": 11}
